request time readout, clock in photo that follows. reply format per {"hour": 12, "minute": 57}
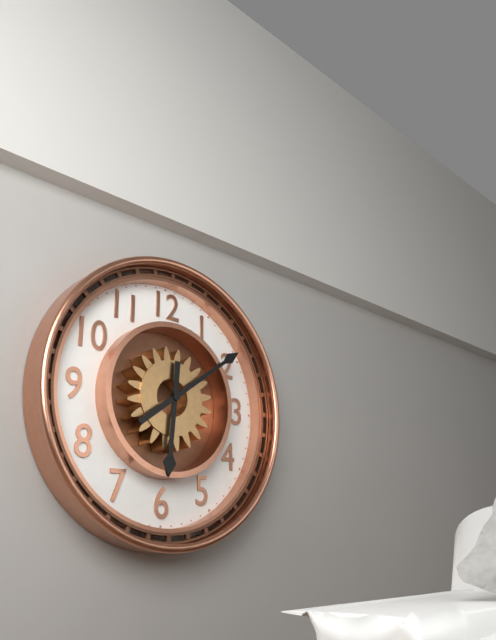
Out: {"hour": 6, "minute": 9}
